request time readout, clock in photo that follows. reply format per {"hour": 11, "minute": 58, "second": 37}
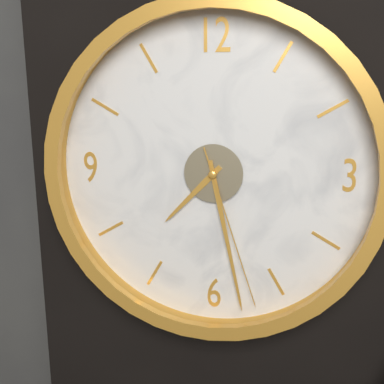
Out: {"hour": 7, "minute": 28, "second": 27}
